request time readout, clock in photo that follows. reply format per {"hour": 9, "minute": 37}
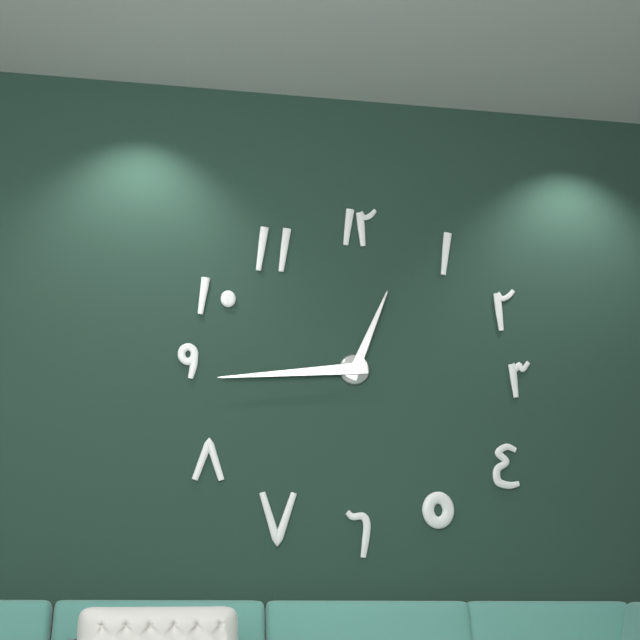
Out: {"hour": 12, "minute": 44}
